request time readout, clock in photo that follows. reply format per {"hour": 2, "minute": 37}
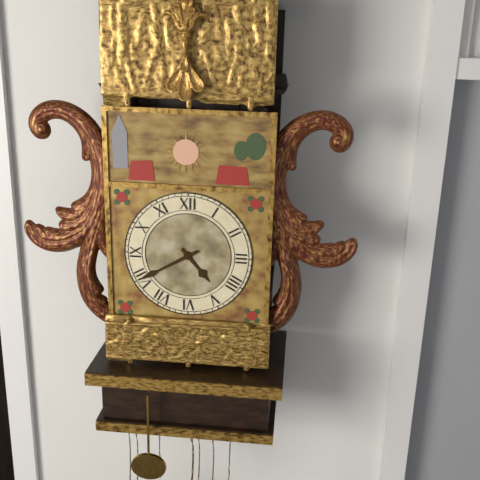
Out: {"hour": 4, "minute": 40}
